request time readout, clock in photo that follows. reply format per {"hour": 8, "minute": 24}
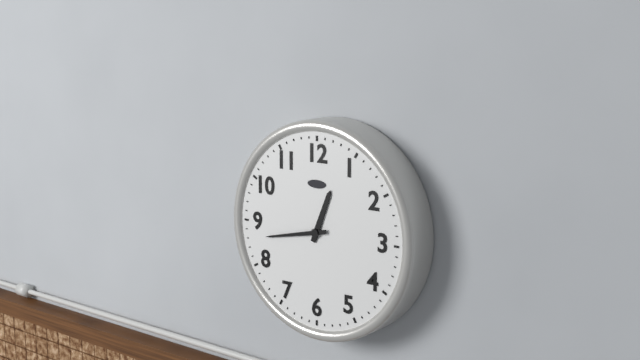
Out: {"hour": 12, "minute": 43}
